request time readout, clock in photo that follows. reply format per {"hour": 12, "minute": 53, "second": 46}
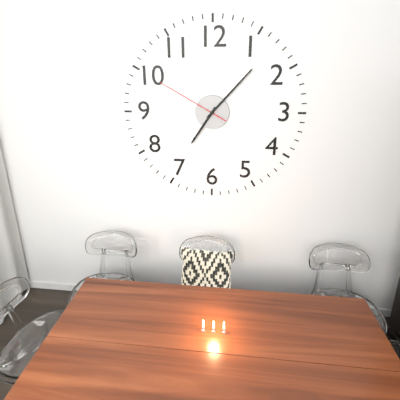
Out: {"hour": 7, "minute": 7, "second": 50}
